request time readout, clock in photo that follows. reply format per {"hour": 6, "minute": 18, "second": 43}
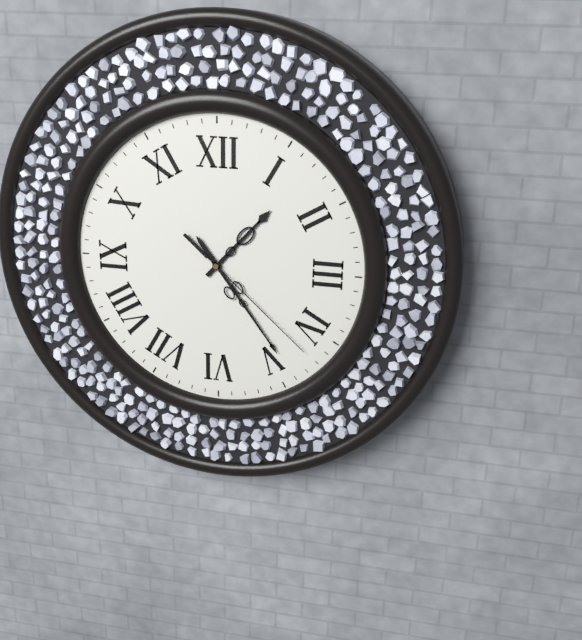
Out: {"hour": 1, "minute": 24, "second": 22}
